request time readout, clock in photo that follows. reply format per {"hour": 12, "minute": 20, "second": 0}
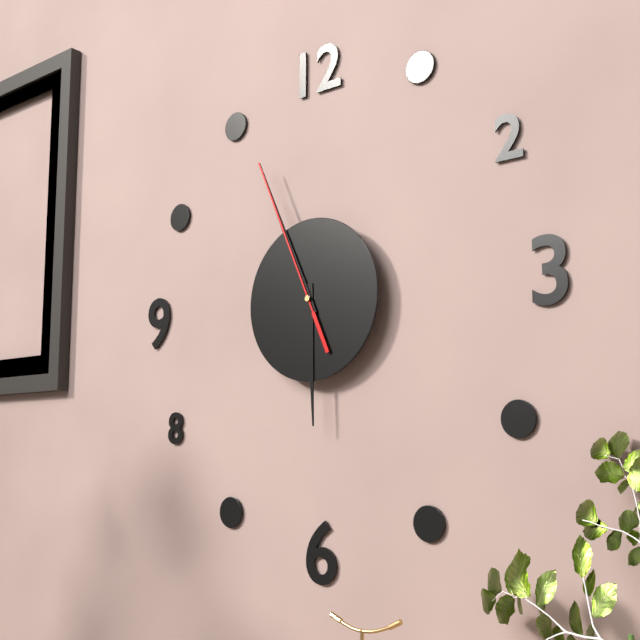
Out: {"hour": 5, "minute": 56, "second": 56}
